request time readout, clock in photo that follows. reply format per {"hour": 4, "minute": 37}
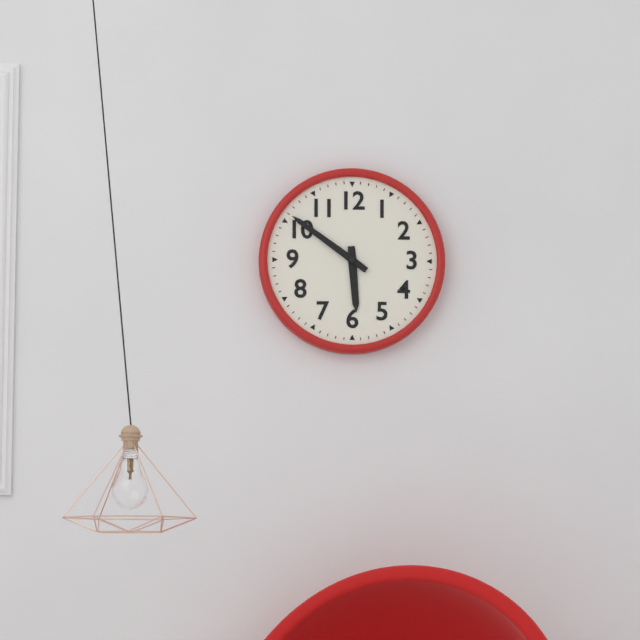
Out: {"hour": 5, "minute": 51}
